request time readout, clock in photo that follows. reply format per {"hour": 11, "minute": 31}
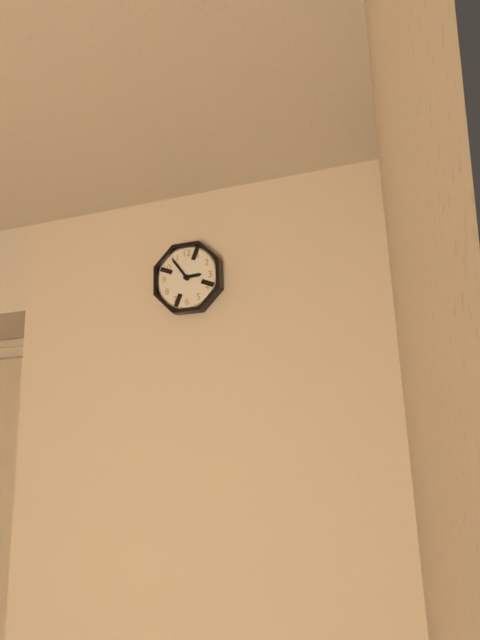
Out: {"hour": 2, "minute": 54}
